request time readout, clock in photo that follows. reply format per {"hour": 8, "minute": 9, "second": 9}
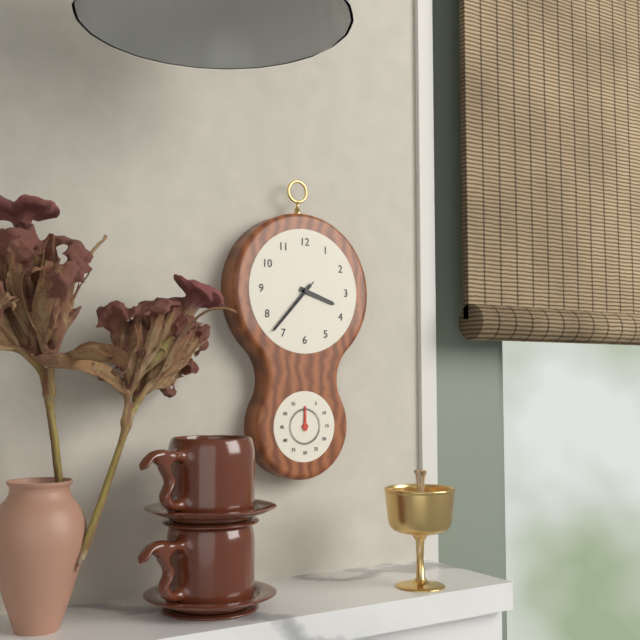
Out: {"hour": 3, "minute": 37, "second": 37}
